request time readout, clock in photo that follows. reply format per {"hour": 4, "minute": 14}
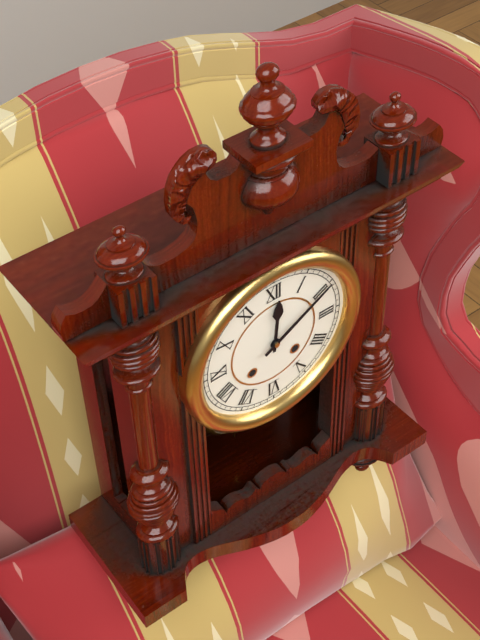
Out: {"hour": 12, "minute": 10}
